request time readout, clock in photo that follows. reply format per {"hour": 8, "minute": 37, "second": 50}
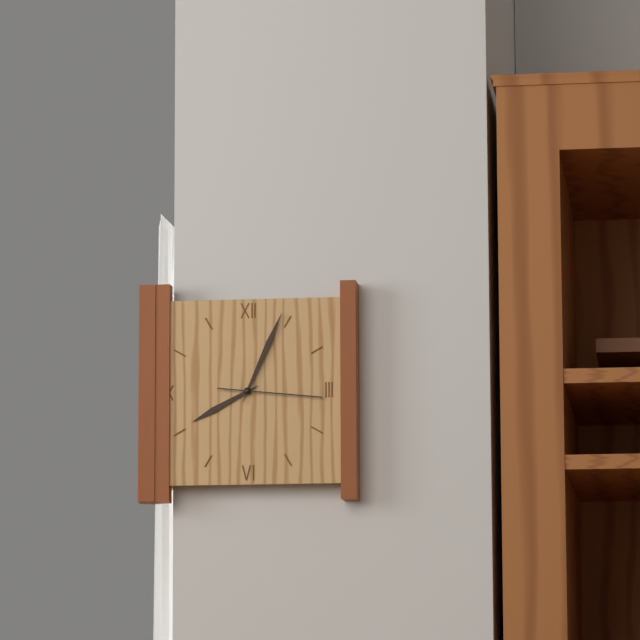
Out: {"hour": 8, "minute": 4, "second": 16}
